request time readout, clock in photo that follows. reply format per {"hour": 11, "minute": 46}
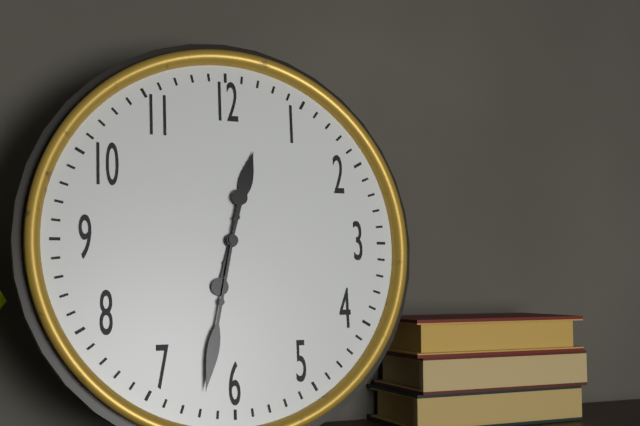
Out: {"hour": 12, "minute": 32}
